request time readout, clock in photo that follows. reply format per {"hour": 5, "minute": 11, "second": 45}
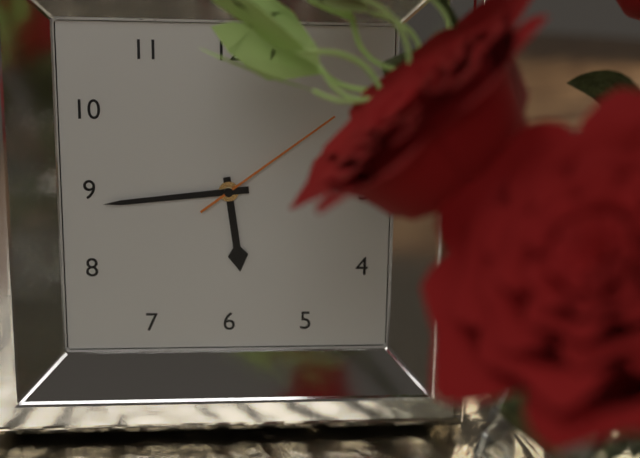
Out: {"hour": 5, "minute": 44, "second": 9}
